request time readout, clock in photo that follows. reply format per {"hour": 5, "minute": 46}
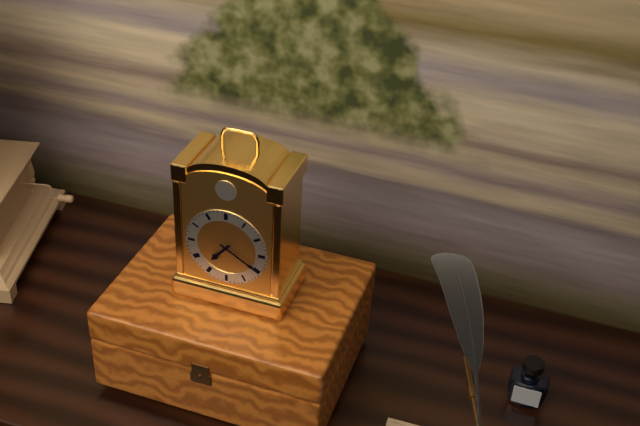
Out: {"hour": 7, "minute": 20}
